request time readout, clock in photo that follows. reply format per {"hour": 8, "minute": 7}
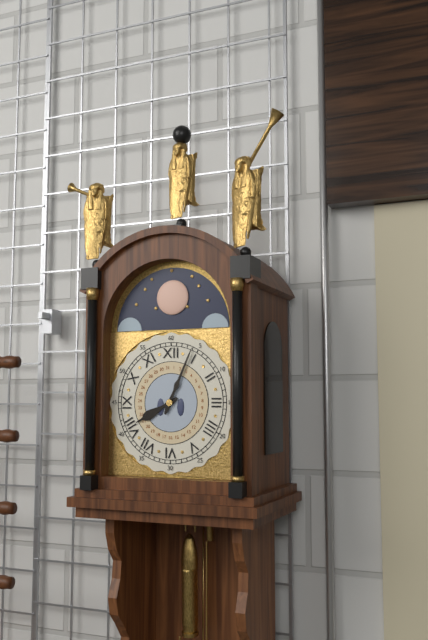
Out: {"hour": 8, "minute": 4}
